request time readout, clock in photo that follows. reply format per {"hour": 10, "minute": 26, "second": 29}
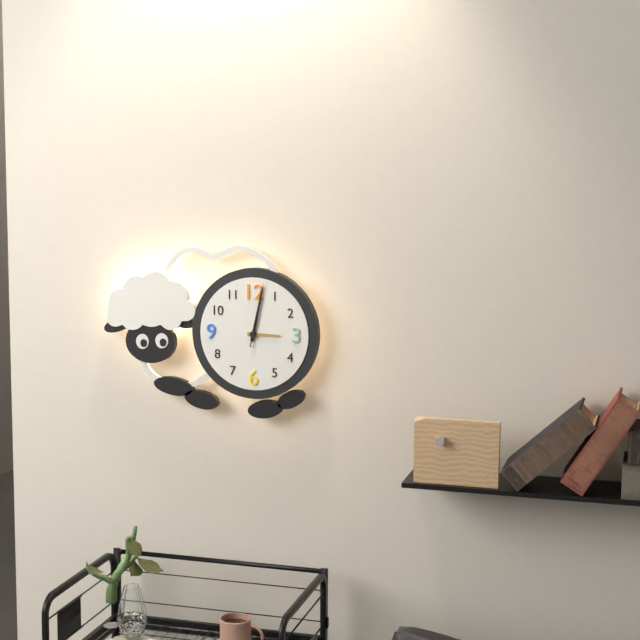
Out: {"hour": 3, "minute": 2, "second": 2}
